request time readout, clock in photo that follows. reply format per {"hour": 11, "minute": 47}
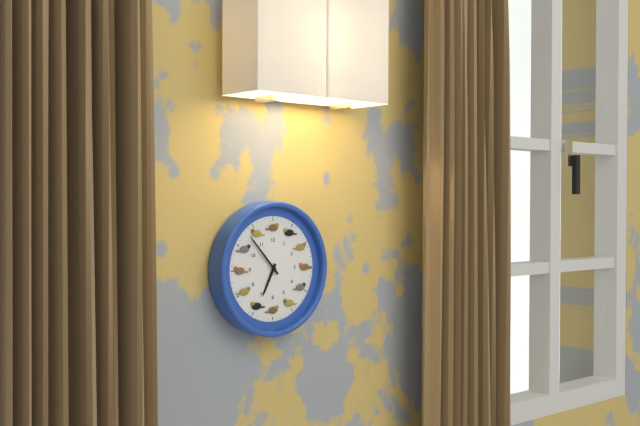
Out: {"hour": 6, "minute": 53}
